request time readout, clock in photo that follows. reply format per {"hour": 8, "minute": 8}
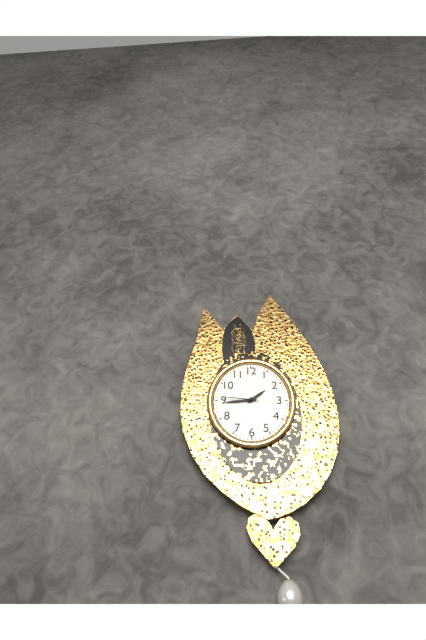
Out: {"hour": 1, "minute": 44}
